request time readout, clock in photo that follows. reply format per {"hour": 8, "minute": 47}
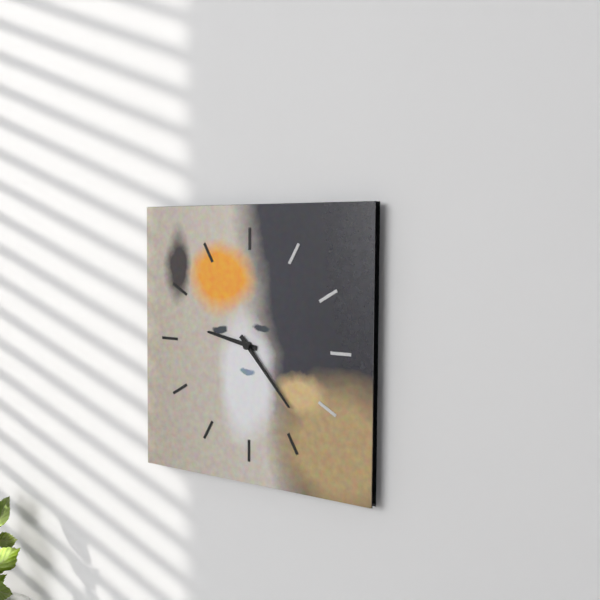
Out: {"hour": 9, "minute": 23}
